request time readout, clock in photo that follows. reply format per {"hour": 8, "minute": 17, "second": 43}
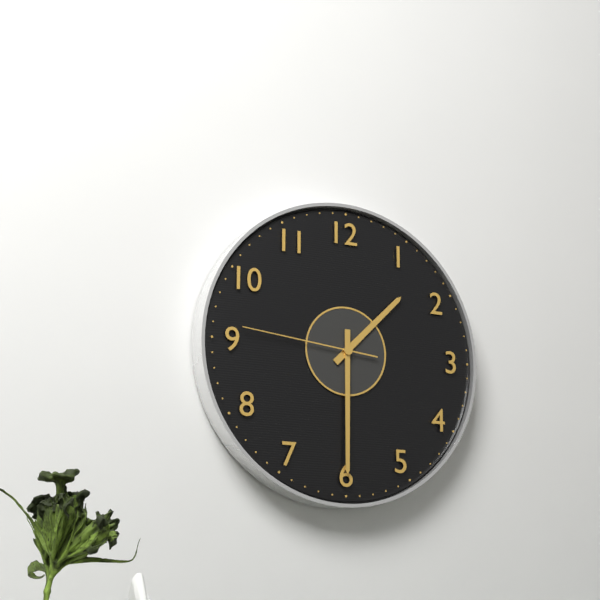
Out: {"hour": 1, "minute": 30, "second": 46}
